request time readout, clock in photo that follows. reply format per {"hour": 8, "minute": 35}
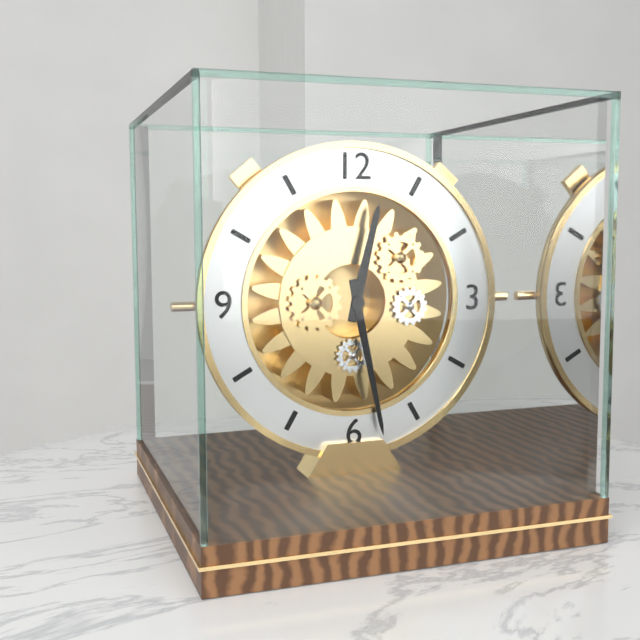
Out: {"hour": 12, "minute": 28}
